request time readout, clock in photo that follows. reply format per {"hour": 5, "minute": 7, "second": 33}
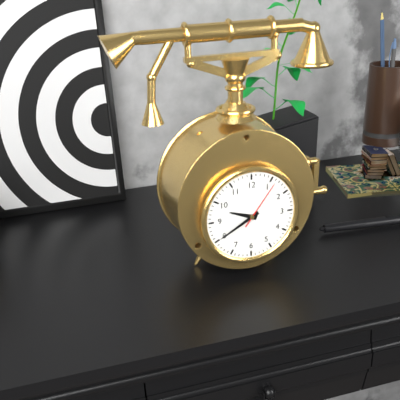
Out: {"hour": 9, "minute": 40, "second": 6}
